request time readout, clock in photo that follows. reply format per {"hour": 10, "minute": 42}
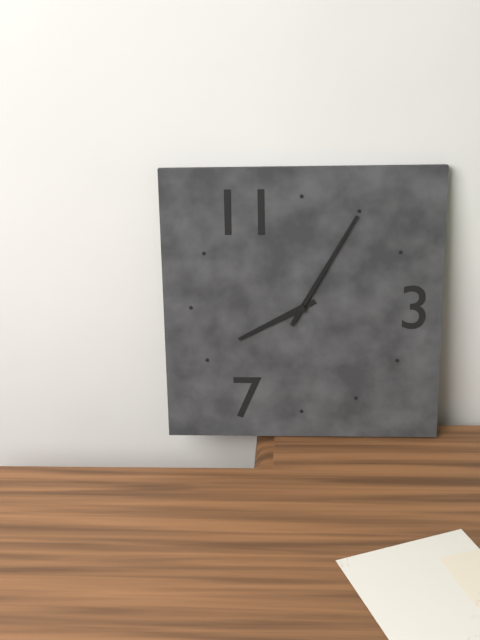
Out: {"hour": 8, "minute": 5}
